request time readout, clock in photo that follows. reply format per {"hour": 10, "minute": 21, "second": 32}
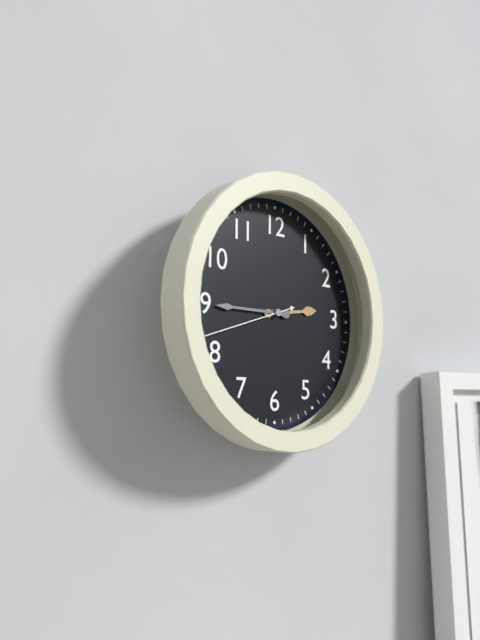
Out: {"hour": 2, "minute": 45, "second": 42}
